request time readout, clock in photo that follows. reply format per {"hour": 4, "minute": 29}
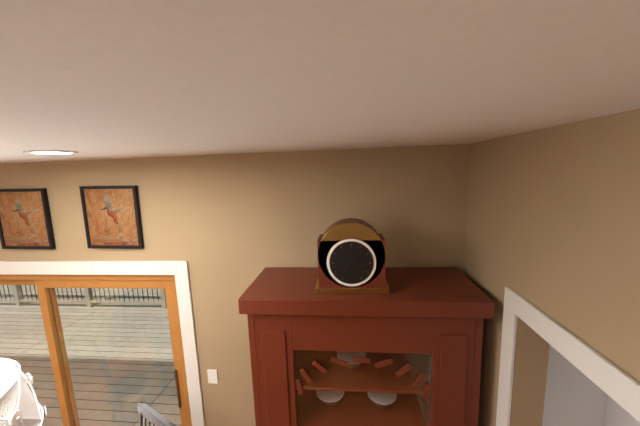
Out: {"hour": 7, "minute": 7}
